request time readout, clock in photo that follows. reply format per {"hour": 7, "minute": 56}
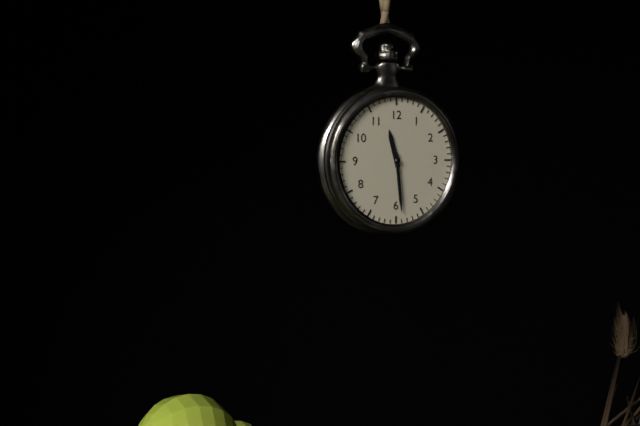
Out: {"hour": 11, "minute": 29}
